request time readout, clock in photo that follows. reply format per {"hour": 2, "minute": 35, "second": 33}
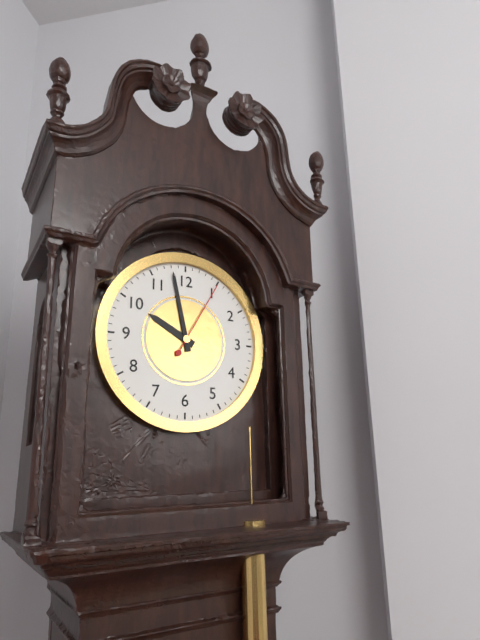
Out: {"hour": 9, "minute": 58, "second": 5}
